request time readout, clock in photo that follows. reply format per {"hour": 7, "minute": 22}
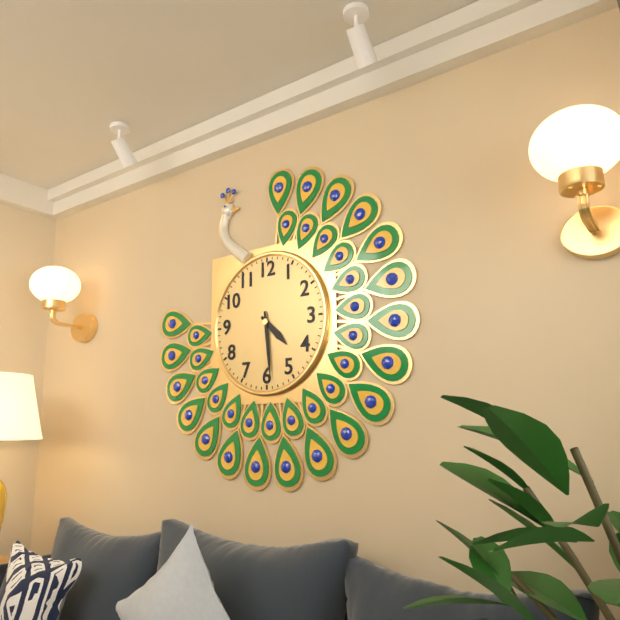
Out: {"hour": 4, "minute": 29}
